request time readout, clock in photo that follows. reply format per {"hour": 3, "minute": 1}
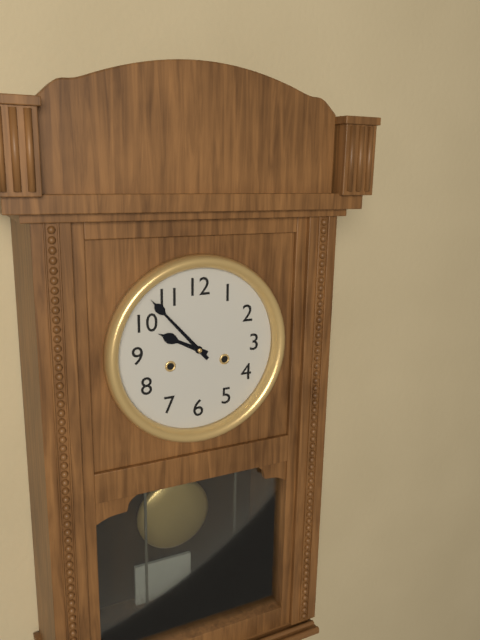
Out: {"hour": 9, "minute": 53}
